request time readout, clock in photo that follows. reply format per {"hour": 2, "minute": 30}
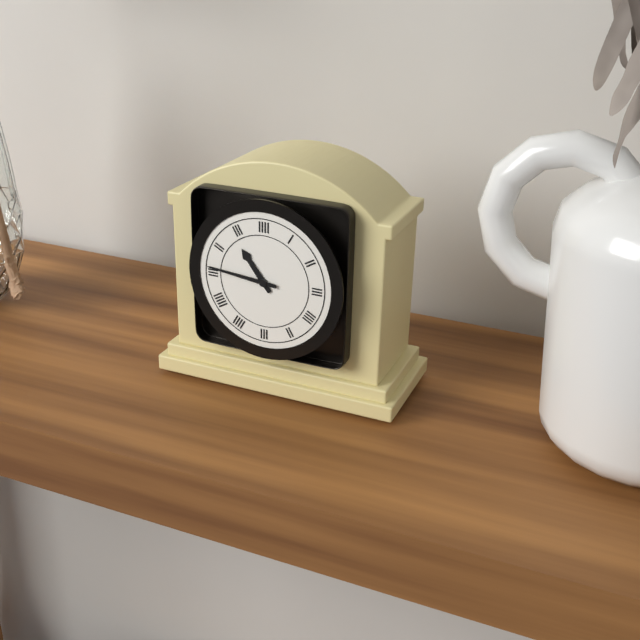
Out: {"hour": 10, "minute": 46}
